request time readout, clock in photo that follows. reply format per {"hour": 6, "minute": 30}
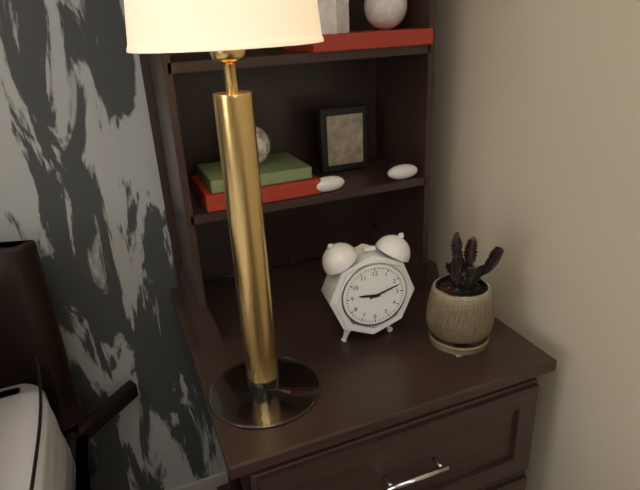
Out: {"hour": 9, "minute": 12}
